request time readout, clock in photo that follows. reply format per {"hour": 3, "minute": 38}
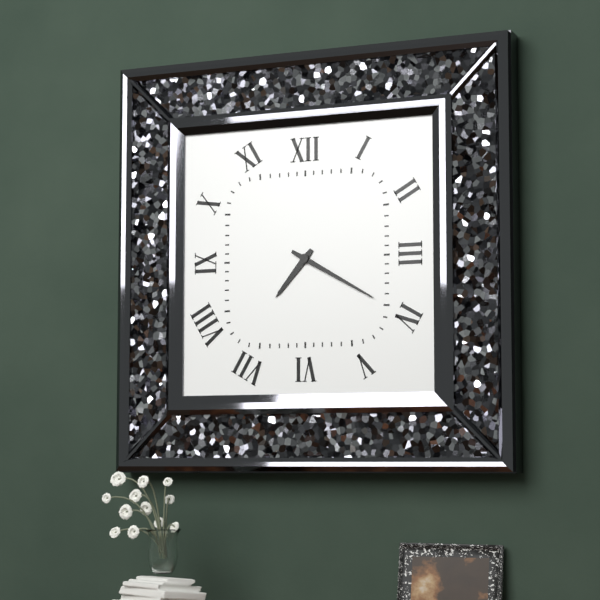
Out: {"hour": 7, "minute": 20}
